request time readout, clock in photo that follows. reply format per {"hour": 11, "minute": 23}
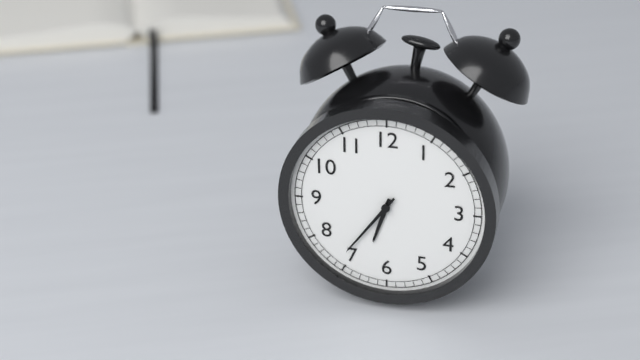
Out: {"hour": 6, "minute": 36}
